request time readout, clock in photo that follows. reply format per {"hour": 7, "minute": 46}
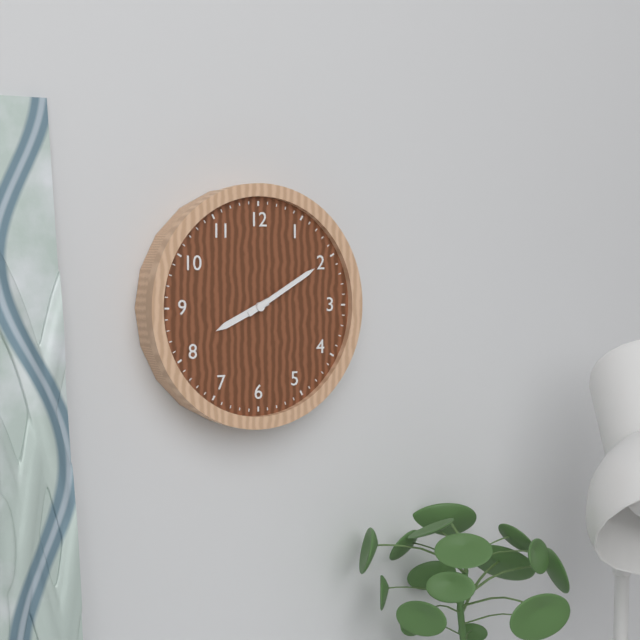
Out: {"hour": 8, "minute": 10}
